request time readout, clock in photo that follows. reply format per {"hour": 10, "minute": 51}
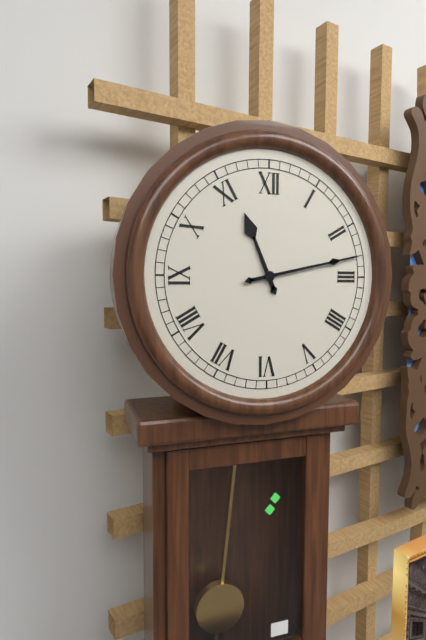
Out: {"hour": 11, "minute": 13}
